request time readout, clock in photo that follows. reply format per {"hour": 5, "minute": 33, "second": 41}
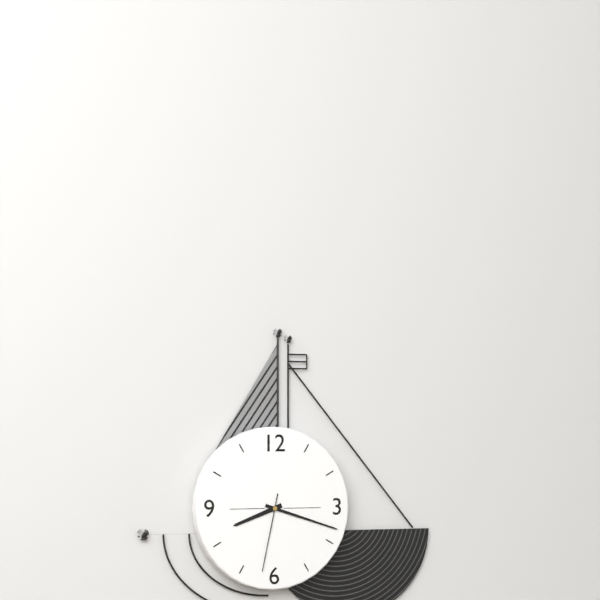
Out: {"hour": 8, "minute": 18, "second": 32}
